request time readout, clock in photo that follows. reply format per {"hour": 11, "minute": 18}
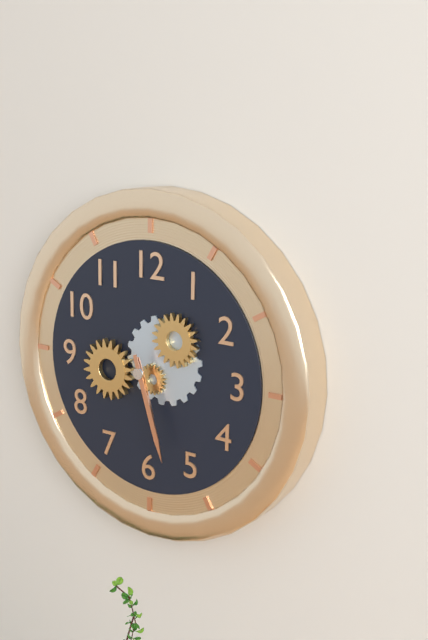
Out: {"hour": 5, "minute": 27}
